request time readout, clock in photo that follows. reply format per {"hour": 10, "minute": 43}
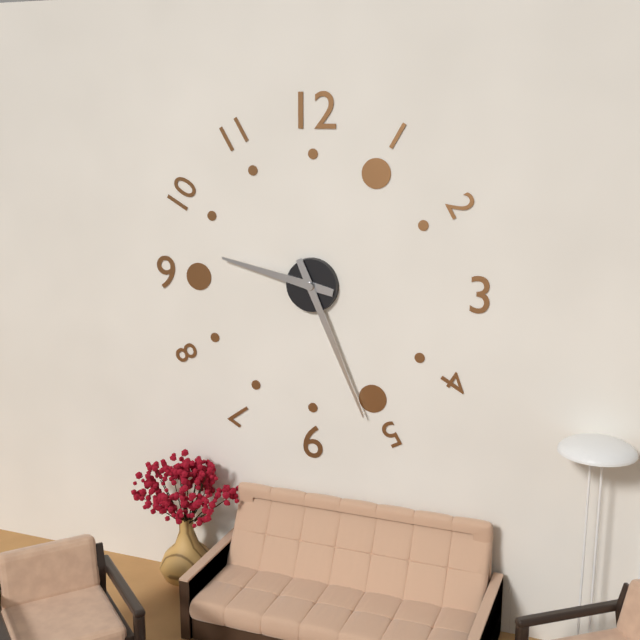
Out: {"hour": 9, "minute": 26}
